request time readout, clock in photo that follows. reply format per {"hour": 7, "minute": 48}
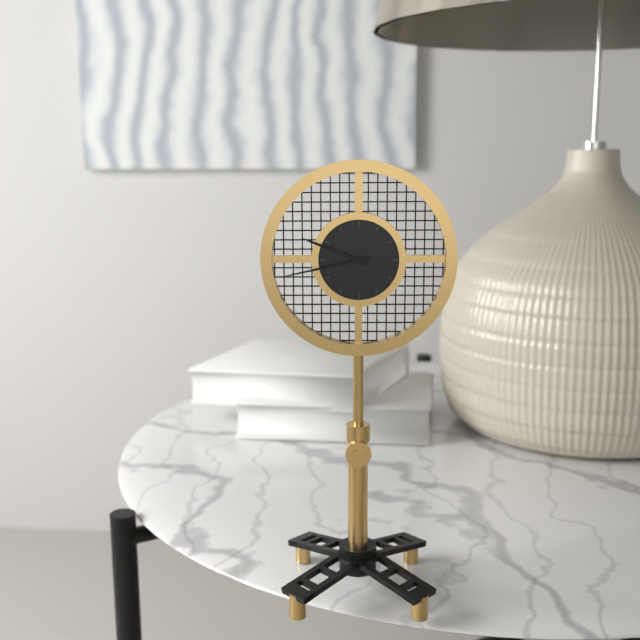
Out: {"hour": 9, "minute": 43}
